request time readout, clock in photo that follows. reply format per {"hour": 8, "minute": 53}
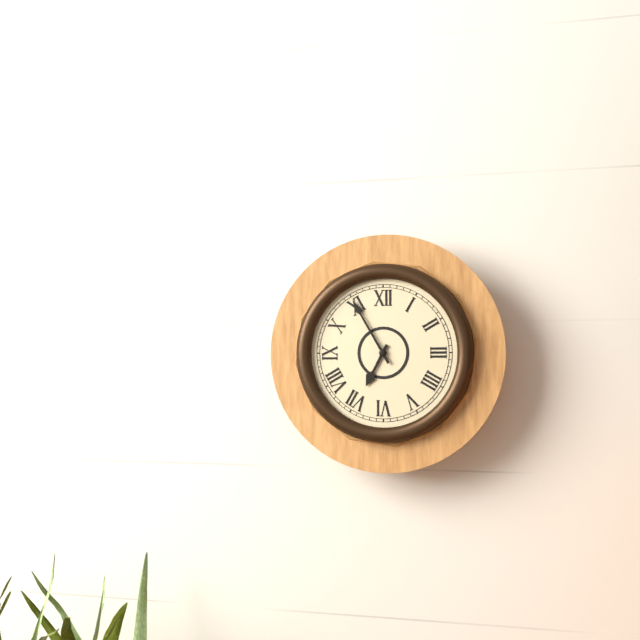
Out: {"hour": 6, "minute": 55}
